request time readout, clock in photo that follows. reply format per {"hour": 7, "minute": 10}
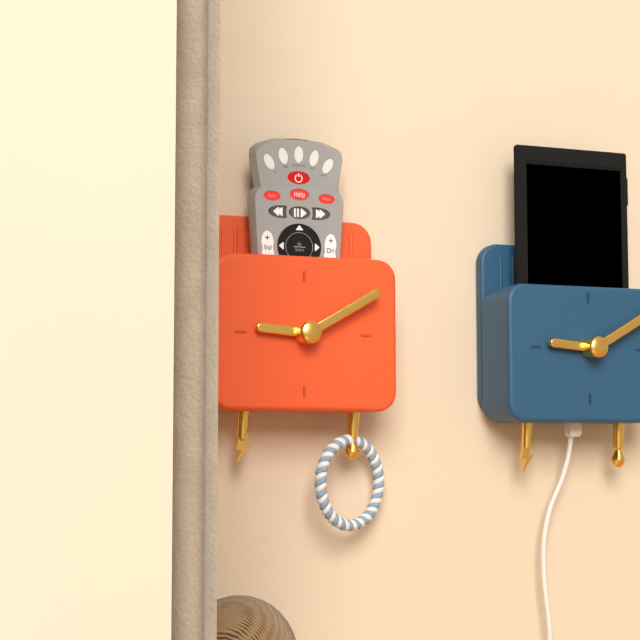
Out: {"hour": 9, "minute": 10}
